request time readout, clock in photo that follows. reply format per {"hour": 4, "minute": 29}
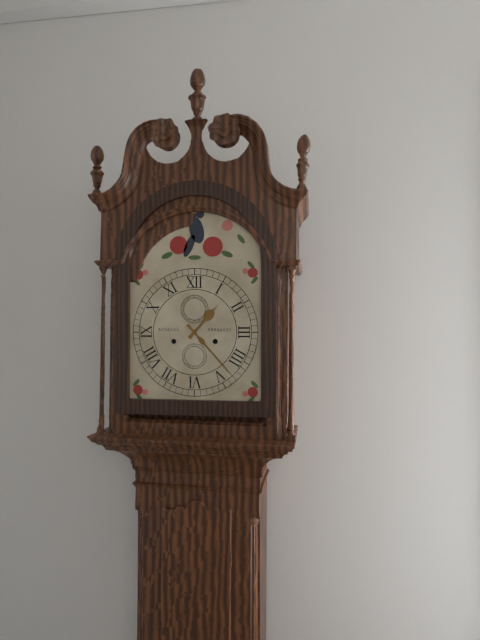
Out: {"hour": 1, "minute": 23}
